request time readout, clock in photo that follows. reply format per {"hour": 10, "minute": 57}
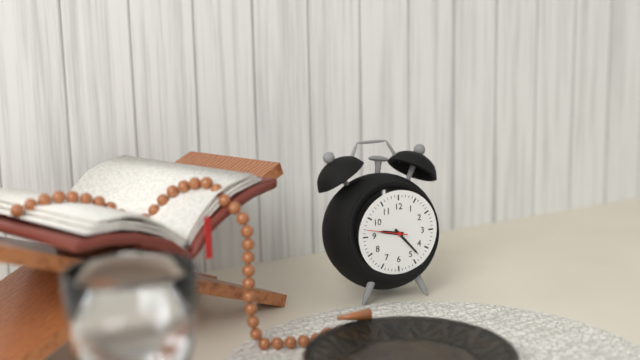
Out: {"hour": 9, "minute": 23}
